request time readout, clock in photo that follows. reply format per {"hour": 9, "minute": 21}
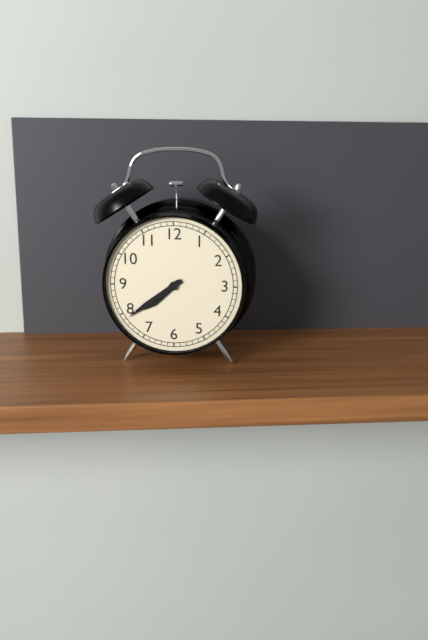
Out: {"hour": 7, "minute": 39}
